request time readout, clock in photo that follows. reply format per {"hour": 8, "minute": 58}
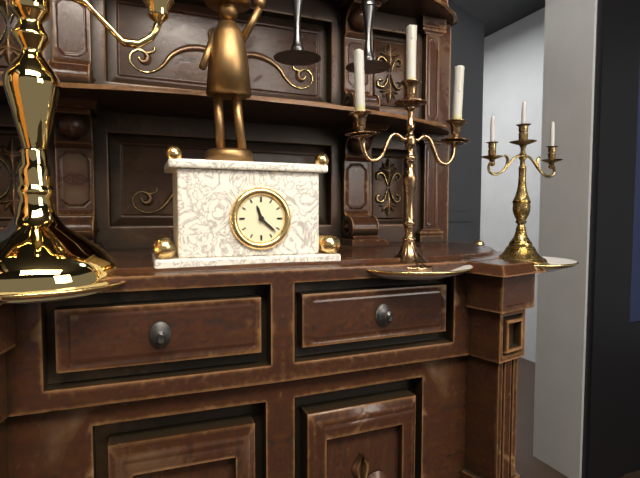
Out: {"hour": 11, "minute": 22}
